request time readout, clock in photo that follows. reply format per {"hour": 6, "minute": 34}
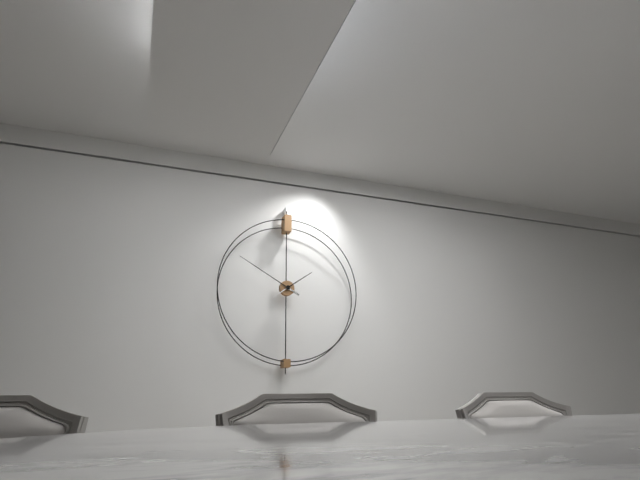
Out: {"hour": 1, "minute": 50}
